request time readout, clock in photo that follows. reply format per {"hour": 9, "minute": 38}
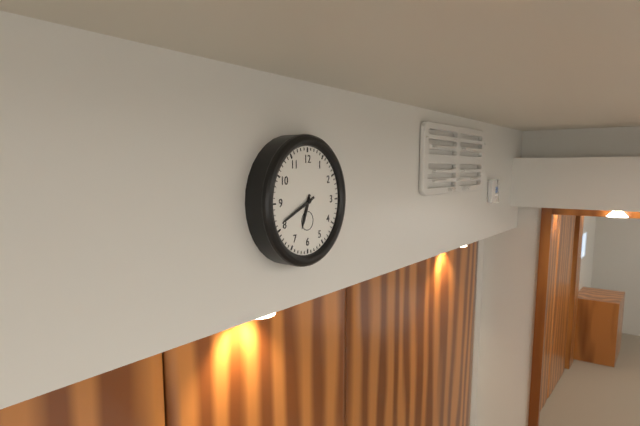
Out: {"hour": 6, "minute": 41}
